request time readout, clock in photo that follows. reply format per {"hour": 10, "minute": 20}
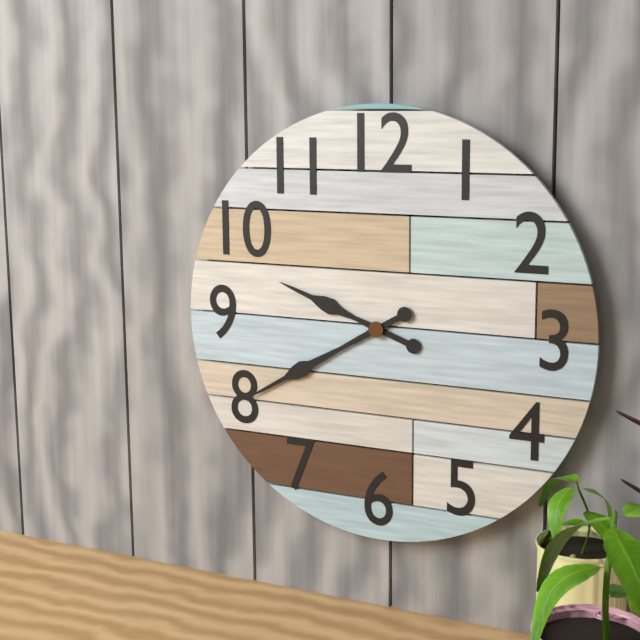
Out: {"hour": 9, "minute": 40}
